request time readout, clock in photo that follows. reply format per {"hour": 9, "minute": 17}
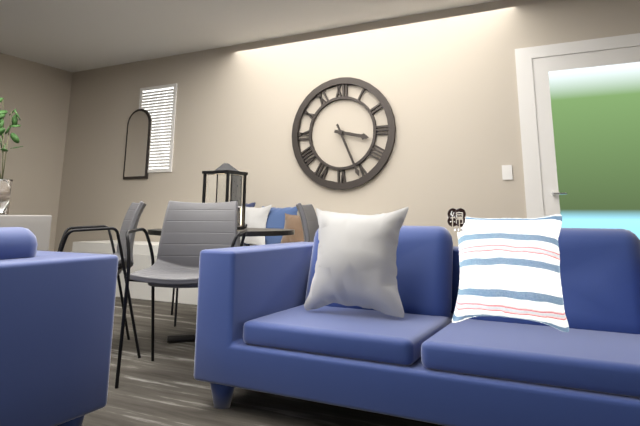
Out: {"hour": 3, "minute": 26}
